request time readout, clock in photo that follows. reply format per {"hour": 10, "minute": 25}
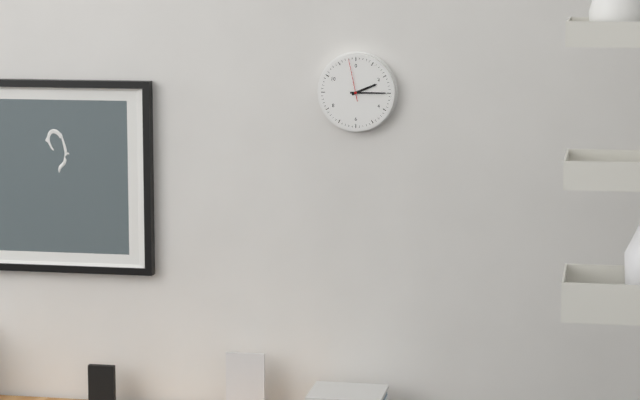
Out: {"hour": 2, "minute": 15}
